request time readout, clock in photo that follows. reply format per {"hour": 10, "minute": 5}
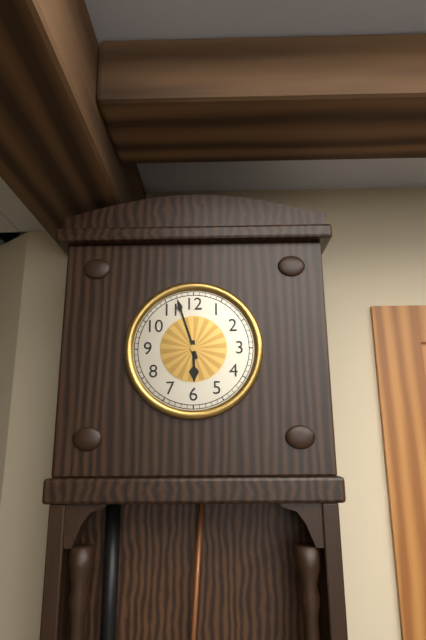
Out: {"hour": 5, "minute": 57}
